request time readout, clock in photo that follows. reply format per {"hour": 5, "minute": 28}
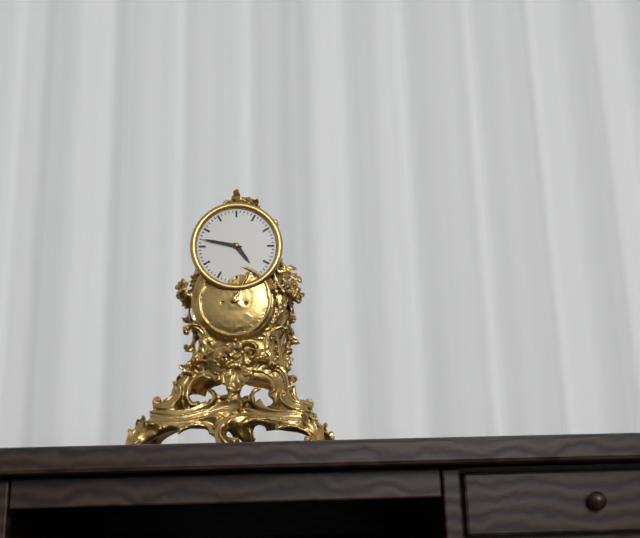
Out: {"hour": 4, "minute": 47}
